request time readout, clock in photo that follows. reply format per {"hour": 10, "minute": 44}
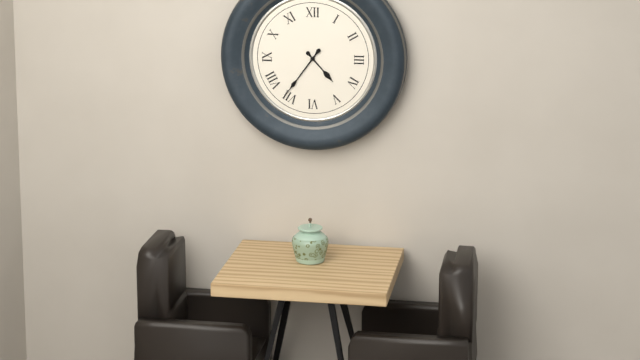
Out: {"hour": 4, "minute": 36}
